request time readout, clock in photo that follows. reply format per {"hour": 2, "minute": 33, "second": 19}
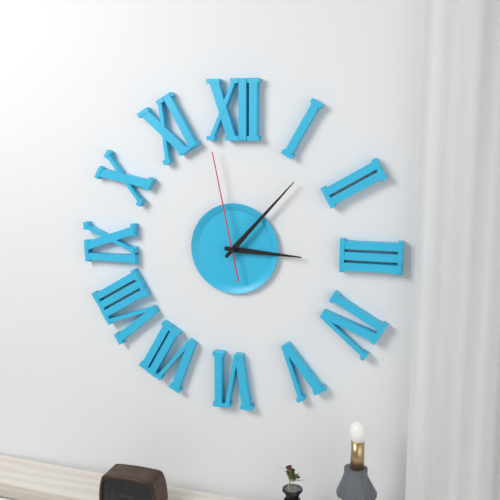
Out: {"hour": 3, "minute": 7, "second": 58}
